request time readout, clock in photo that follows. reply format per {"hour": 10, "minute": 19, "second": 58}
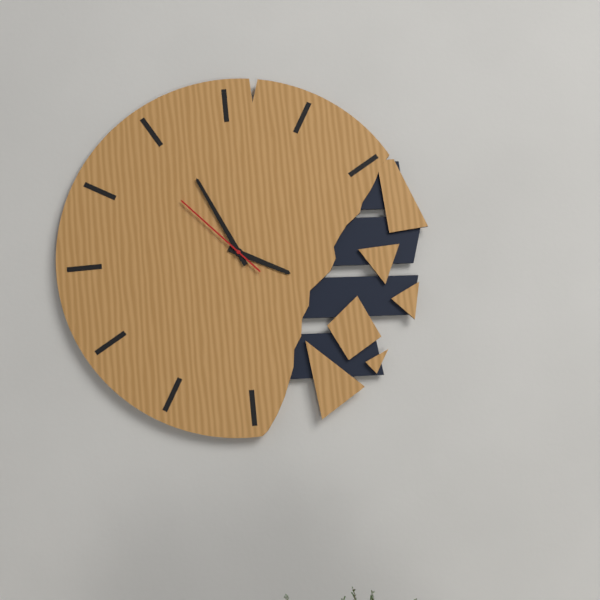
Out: {"hour": 3, "minute": 56, "second": 53}
